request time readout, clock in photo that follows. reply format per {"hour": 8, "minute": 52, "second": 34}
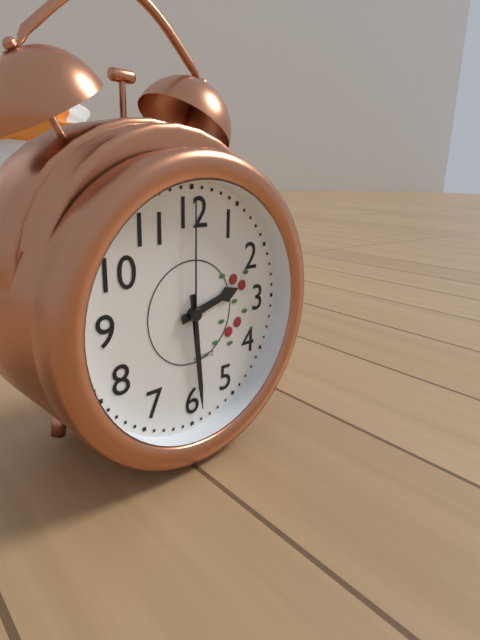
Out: {"hour": 2, "minute": 29, "second": 0}
